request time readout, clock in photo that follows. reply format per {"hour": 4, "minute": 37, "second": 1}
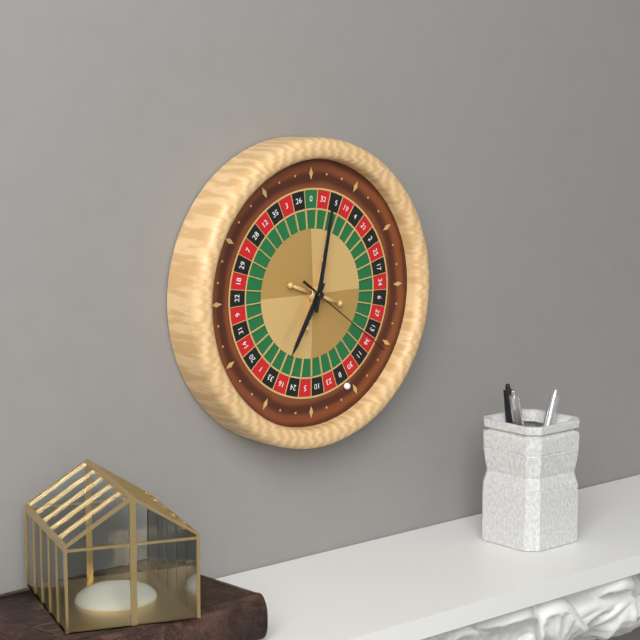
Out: {"hour": 7, "minute": 2, "second": 21}
